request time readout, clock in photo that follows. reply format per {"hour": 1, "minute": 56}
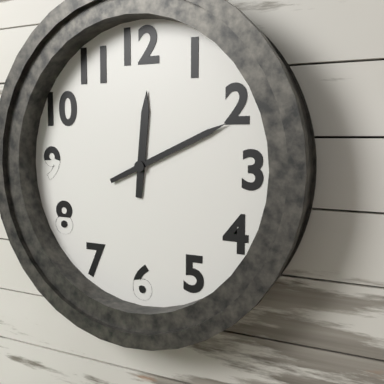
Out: {"hour": 12, "minute": 11}
